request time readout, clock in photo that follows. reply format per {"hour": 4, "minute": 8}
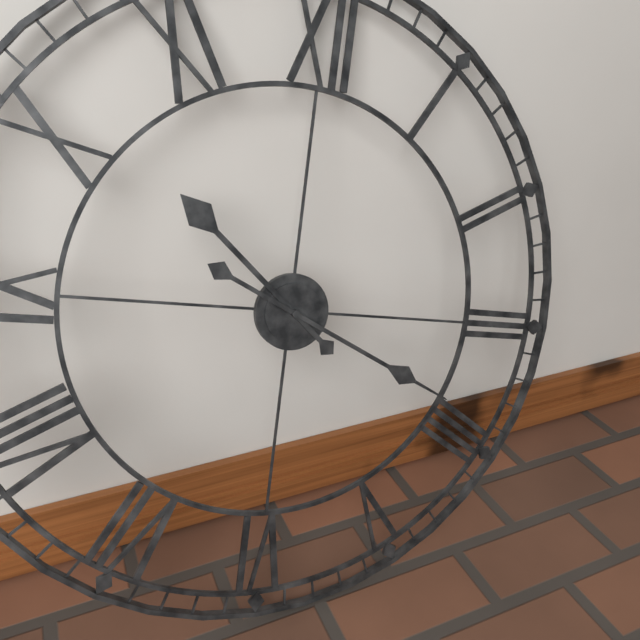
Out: {"hour": 10, "minute": 19}
